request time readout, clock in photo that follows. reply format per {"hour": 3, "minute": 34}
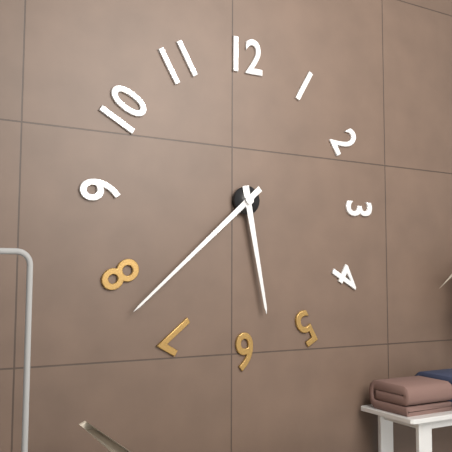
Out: {"hour": 5, "minute": 38}
